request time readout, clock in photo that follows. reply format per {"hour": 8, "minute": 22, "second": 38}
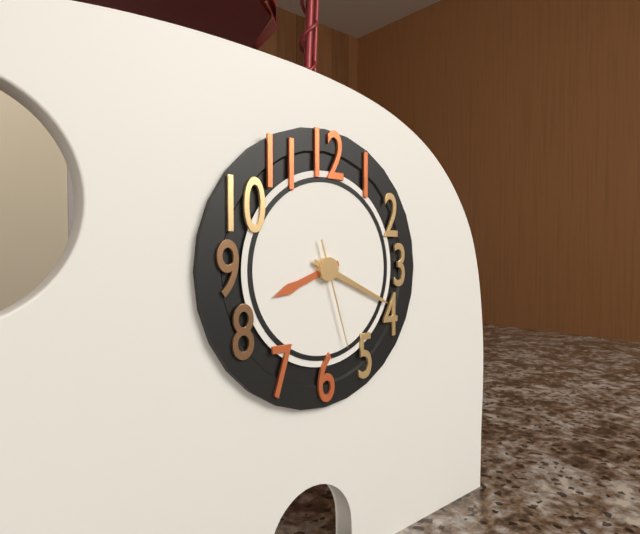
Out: {"hour": 8, "minute": 19, "second": 27}
